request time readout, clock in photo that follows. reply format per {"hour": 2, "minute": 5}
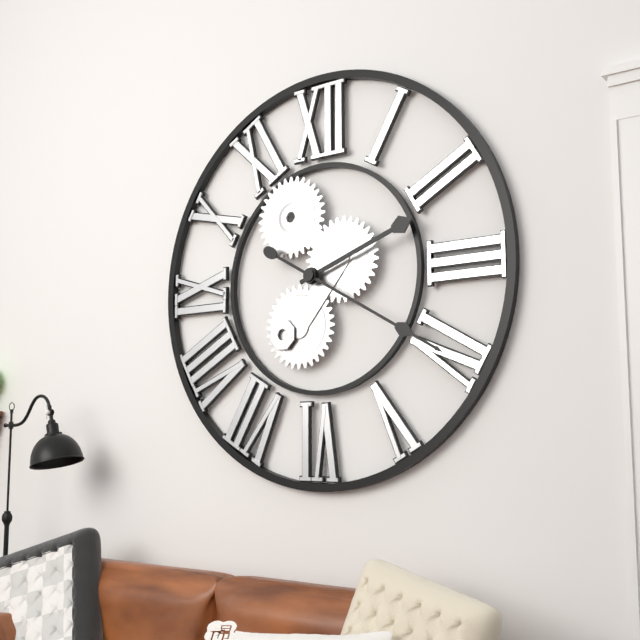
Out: {"hour": 2, "minute": 20}
